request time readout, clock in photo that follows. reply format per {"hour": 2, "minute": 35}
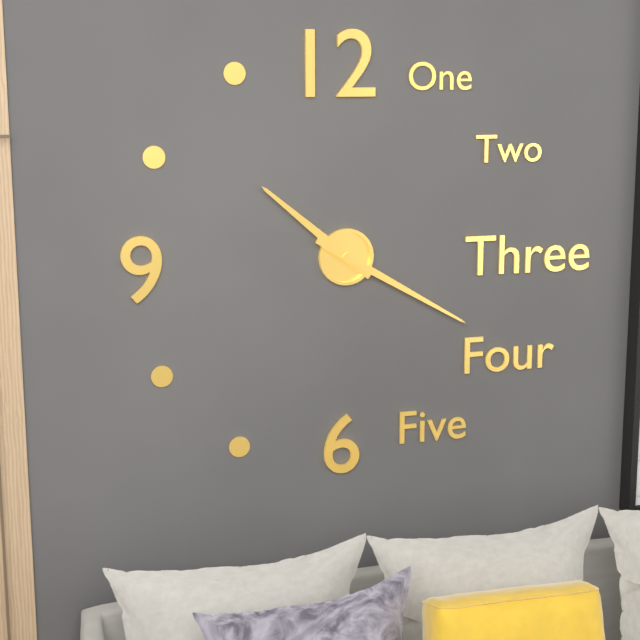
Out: {"hour": 10, "minute": 20}
